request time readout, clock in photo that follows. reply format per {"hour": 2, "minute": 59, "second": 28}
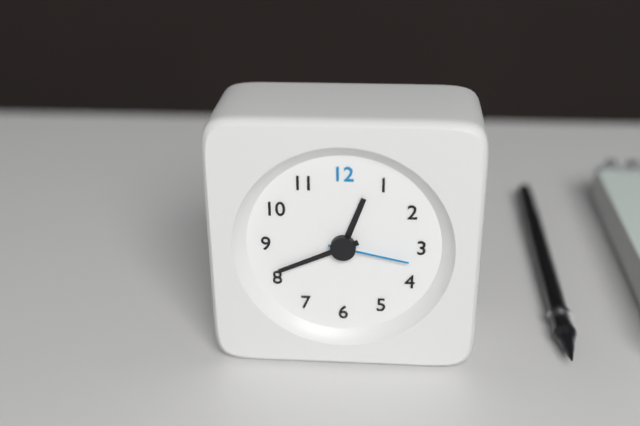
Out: {"hour": 12, "minute": 41, "second": 17}
